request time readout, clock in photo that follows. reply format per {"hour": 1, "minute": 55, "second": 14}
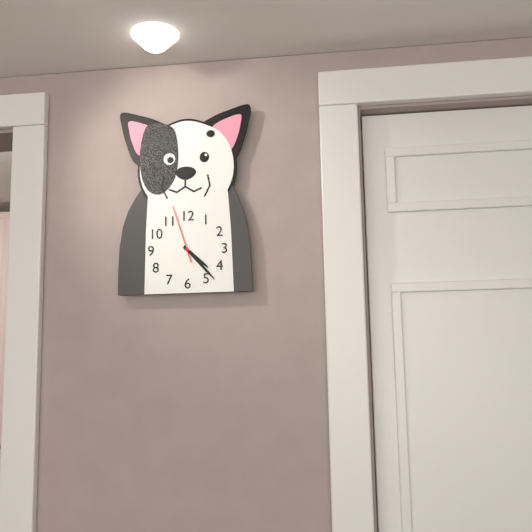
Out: {"hour": 4, "minute": 23, "second": 57}
